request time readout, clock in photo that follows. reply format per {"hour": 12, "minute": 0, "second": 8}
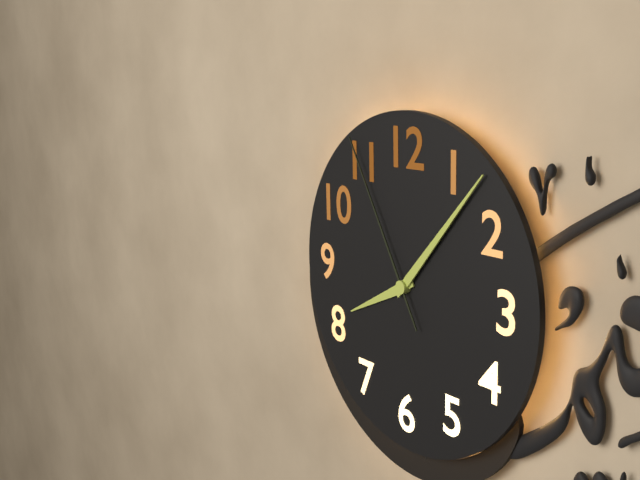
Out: {"hour": 8, "minute": 7, "second": 55}
